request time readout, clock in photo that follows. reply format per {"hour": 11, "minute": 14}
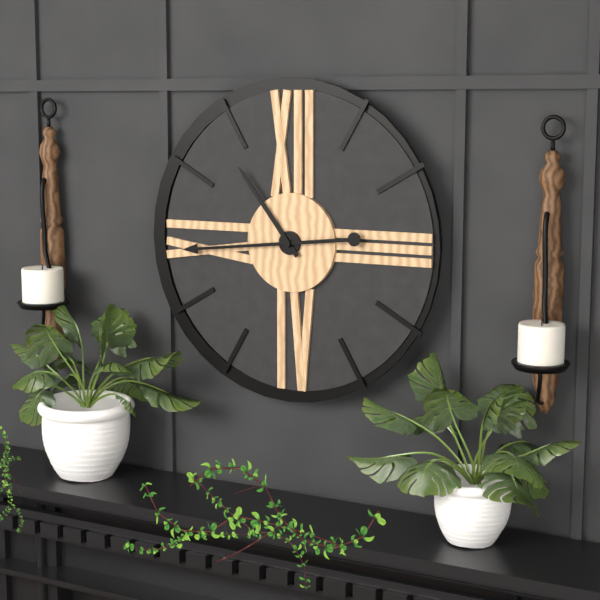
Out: {"hour": 10, "minute": 44}
